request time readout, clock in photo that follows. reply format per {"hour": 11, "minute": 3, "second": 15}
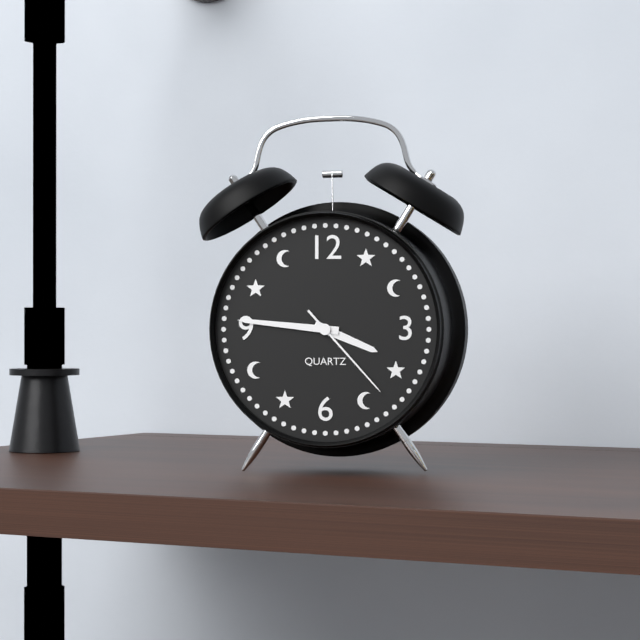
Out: {"hour": 3, "minute": 46, "second": 23}
